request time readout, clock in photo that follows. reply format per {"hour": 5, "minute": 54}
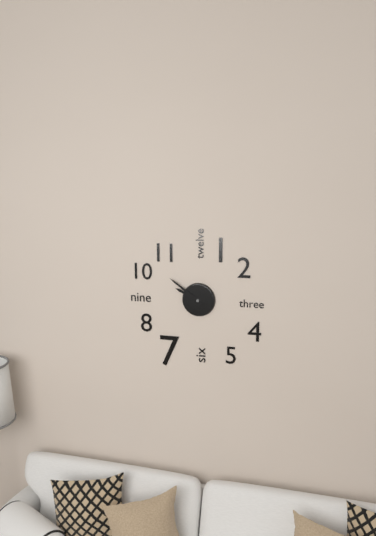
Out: {"hour": 9, "minute": 51}
